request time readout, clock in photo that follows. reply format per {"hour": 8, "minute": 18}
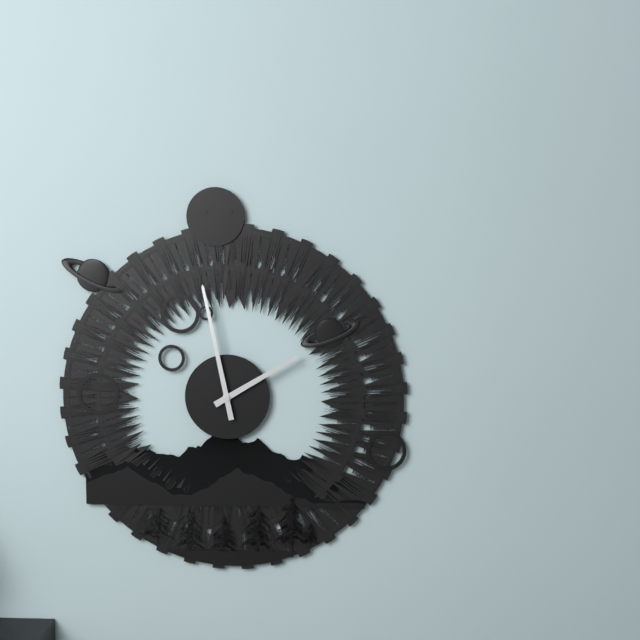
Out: {"hour": 1, "minute": 58}
